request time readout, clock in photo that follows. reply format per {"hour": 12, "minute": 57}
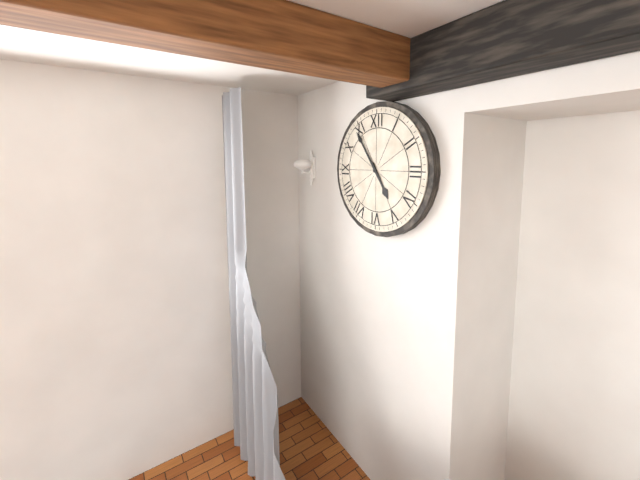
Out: {"hour": 4, "minute": 54}
